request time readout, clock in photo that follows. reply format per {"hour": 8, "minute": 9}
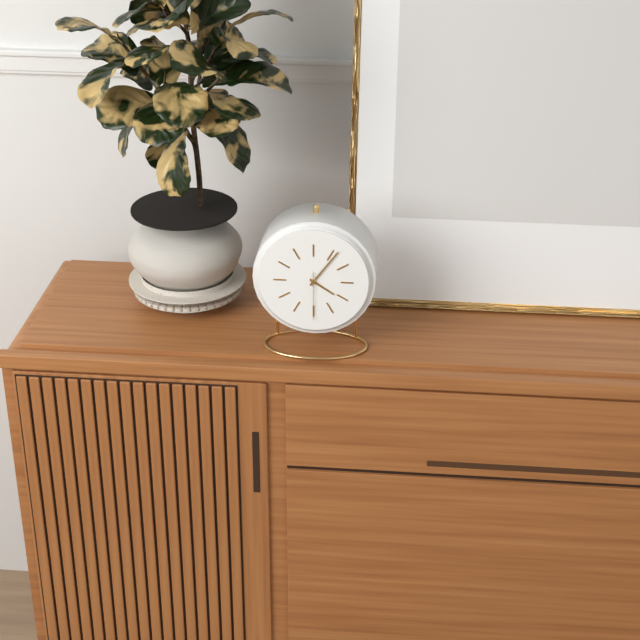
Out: {"hour": 4, "minute": 6}
